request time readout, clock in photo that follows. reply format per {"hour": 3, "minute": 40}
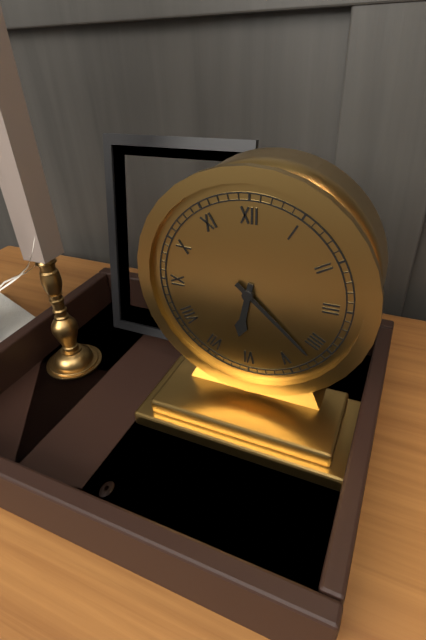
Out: {"hour": 6, "minute": 22}
